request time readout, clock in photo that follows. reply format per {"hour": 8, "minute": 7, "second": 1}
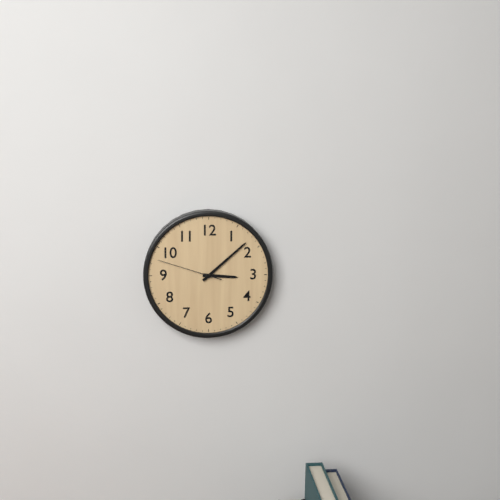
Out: {"hour": 3, "minute": 8, "second": 48}
